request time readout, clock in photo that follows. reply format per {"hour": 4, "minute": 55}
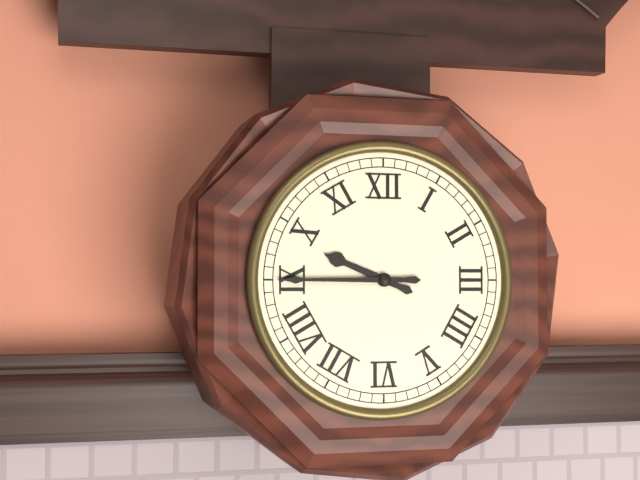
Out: {"hour": 9, "minute": 45}
